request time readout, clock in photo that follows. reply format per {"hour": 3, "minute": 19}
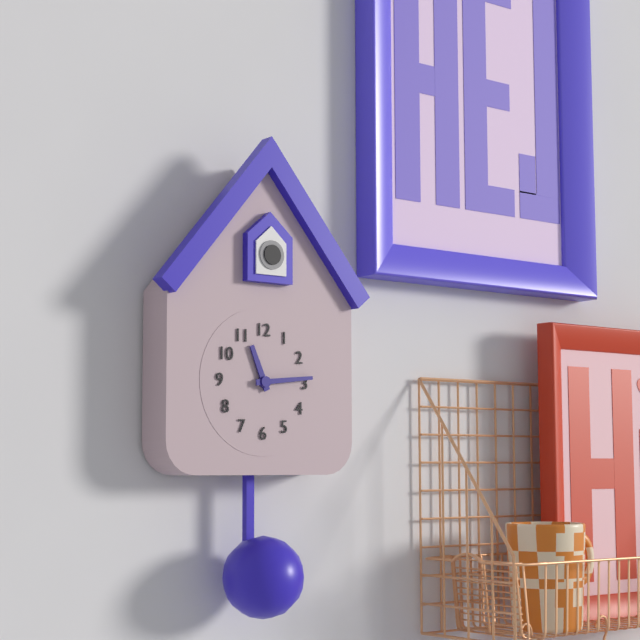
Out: {"hour": 11, "minute": 14}
